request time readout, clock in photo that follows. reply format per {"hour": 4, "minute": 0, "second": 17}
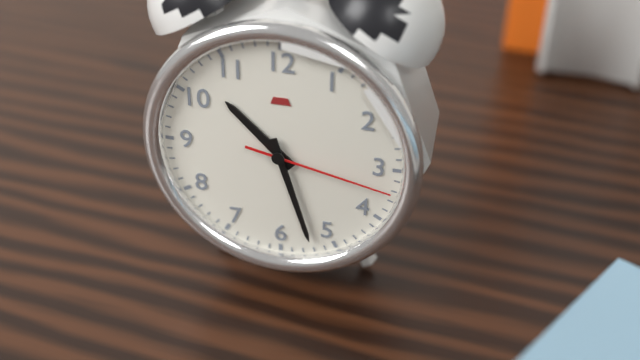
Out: {"hour": 10, "minute": 27, "second": 17}
